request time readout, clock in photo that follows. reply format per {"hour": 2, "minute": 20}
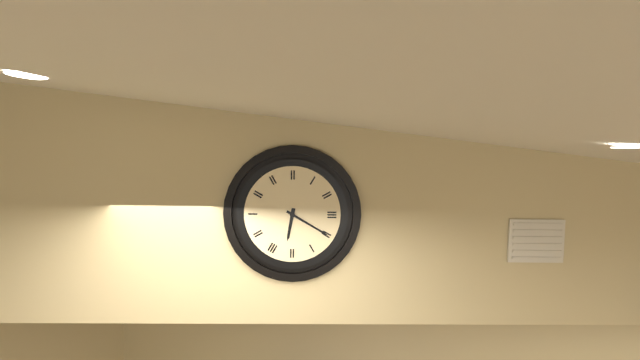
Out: {"hour": 6, "minute": 20}
